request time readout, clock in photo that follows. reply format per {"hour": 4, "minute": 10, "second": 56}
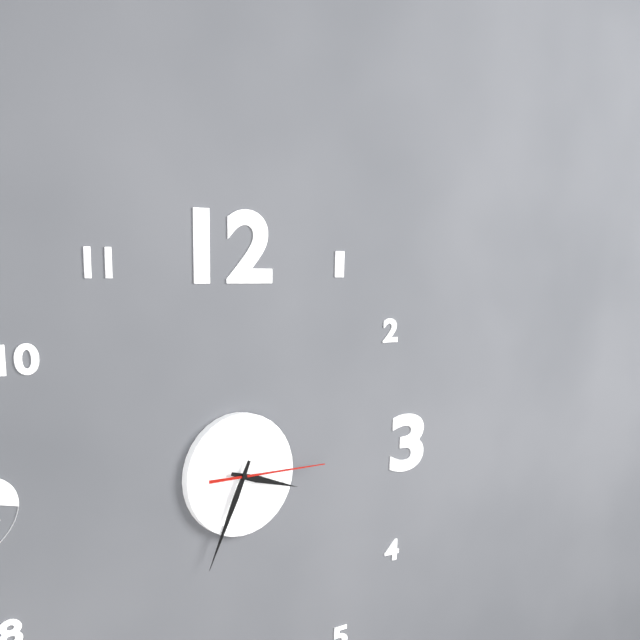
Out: {"hour": 3, "minute": 34, "second": 15}
